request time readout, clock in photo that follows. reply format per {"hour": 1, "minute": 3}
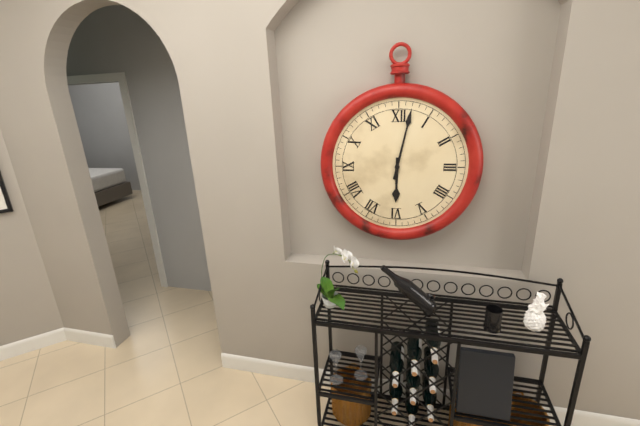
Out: {"hour": 6, "minute": 2}
